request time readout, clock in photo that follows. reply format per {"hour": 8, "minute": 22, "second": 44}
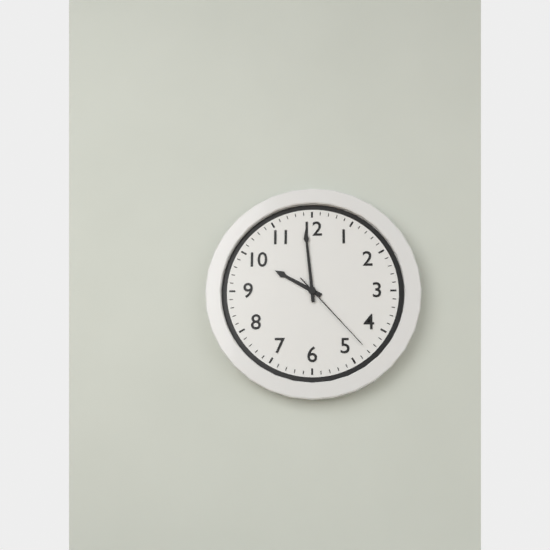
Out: {"hour": 9, "minute": 59, "second": 23}
